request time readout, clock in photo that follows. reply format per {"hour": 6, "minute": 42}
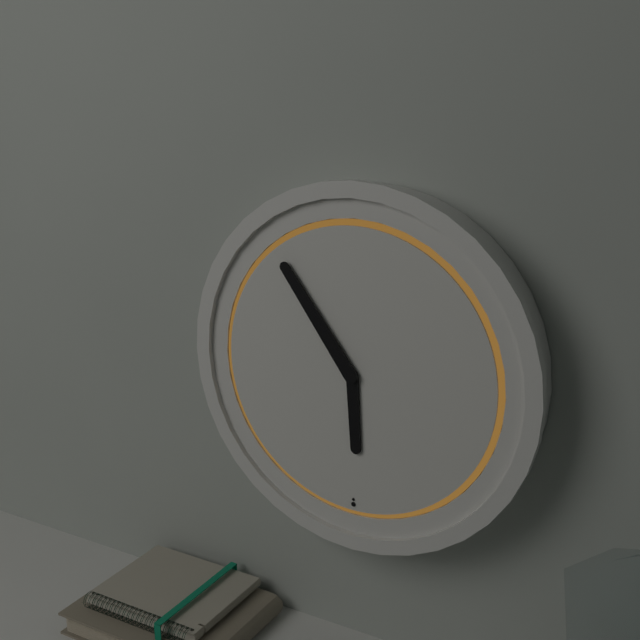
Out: {"hour": 5, "minute": 54}
